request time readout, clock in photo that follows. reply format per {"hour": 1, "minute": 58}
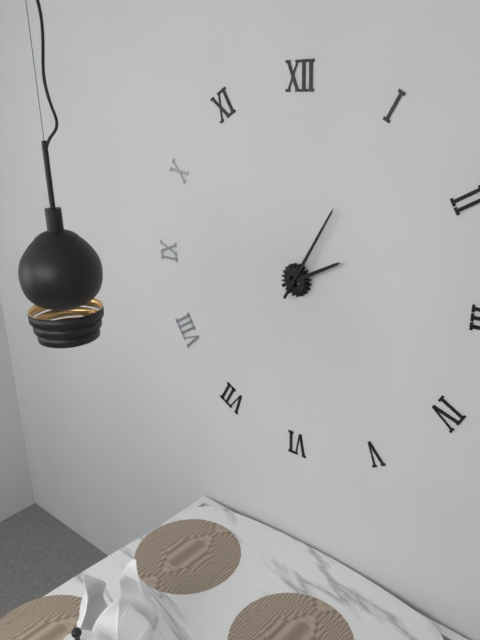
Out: {"hour": 2, "minute": 5}
